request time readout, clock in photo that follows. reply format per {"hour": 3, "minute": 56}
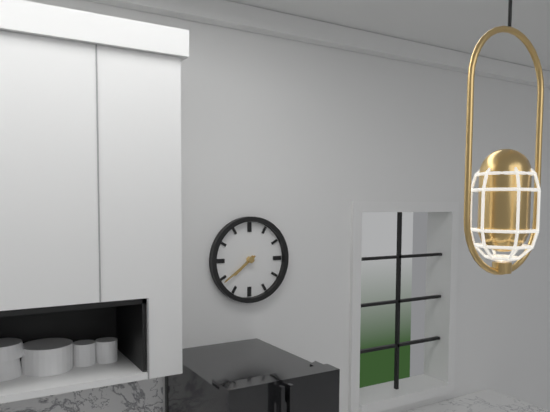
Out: {"hour": 7, "minute": 39}
